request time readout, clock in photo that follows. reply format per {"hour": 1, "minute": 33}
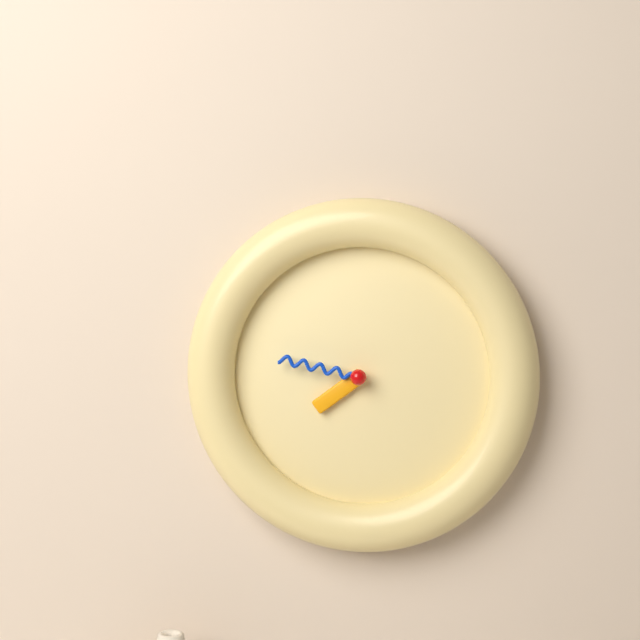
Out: {"hour": 7, "minute": 47}
